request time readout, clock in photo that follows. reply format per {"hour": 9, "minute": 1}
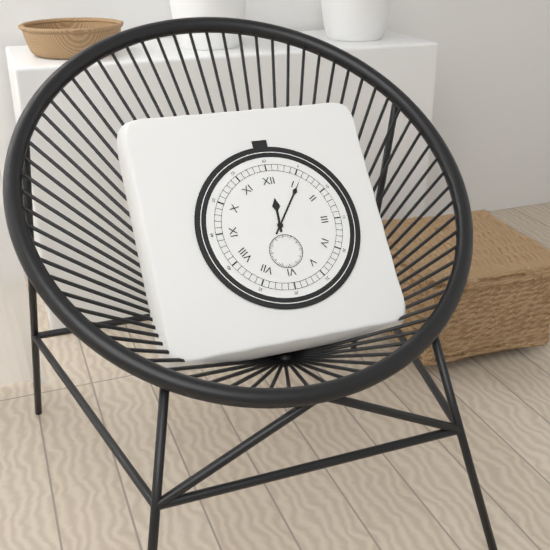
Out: {"hour": 12, "minute": 6}
